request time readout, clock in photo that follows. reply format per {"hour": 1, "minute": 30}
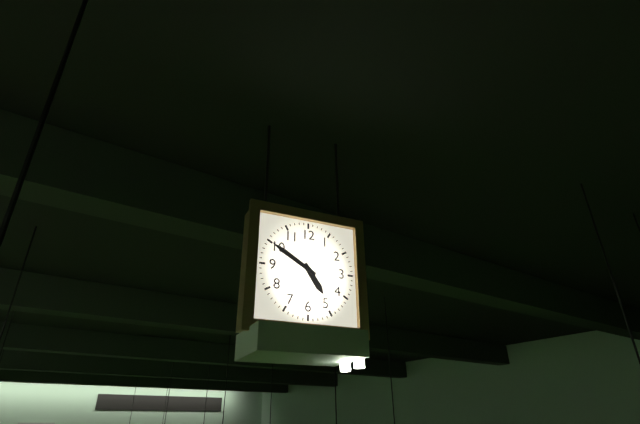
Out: {"hour": 4, "minute": 50}
